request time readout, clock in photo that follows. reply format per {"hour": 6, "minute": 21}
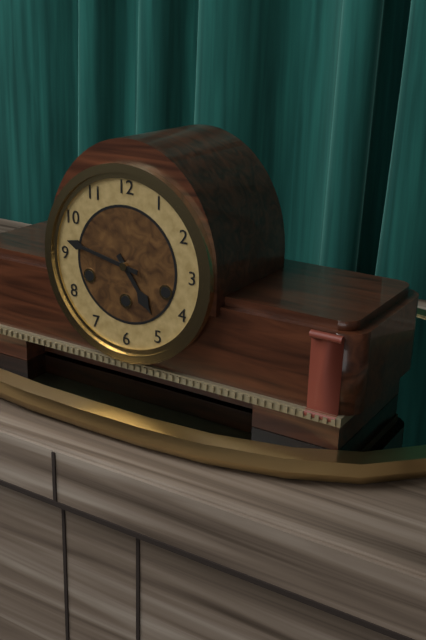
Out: {"hour": 4, "minute": 47}
